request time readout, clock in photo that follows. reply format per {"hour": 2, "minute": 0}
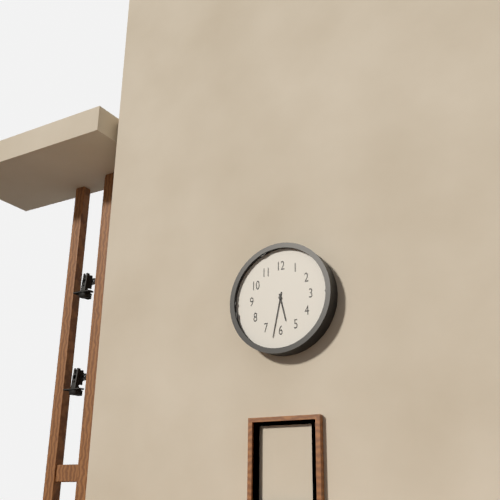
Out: {"hour": 5, "minute": 32}
